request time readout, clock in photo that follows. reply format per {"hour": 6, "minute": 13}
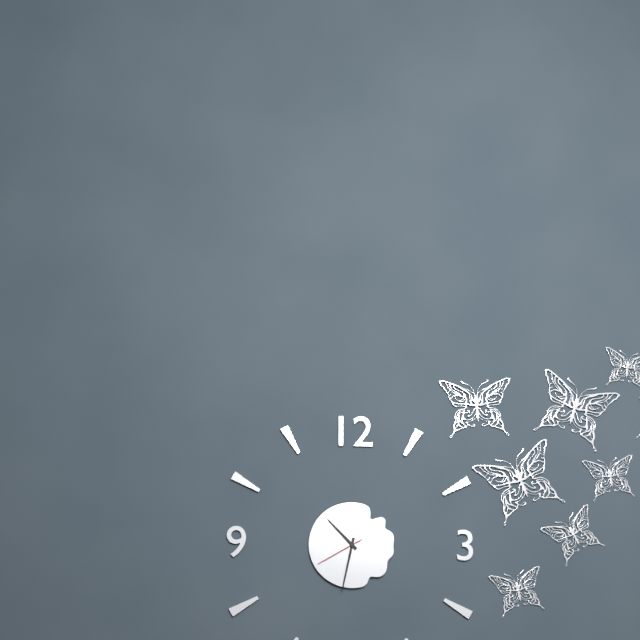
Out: {"hour": 10, "minute": 32}
